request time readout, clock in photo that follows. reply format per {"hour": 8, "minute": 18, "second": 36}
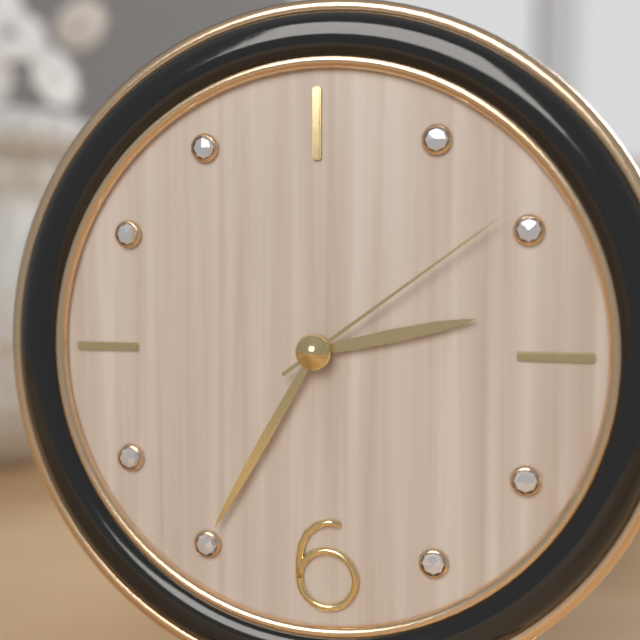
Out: {"hour": 2, "minute": 35, "second": 9}
